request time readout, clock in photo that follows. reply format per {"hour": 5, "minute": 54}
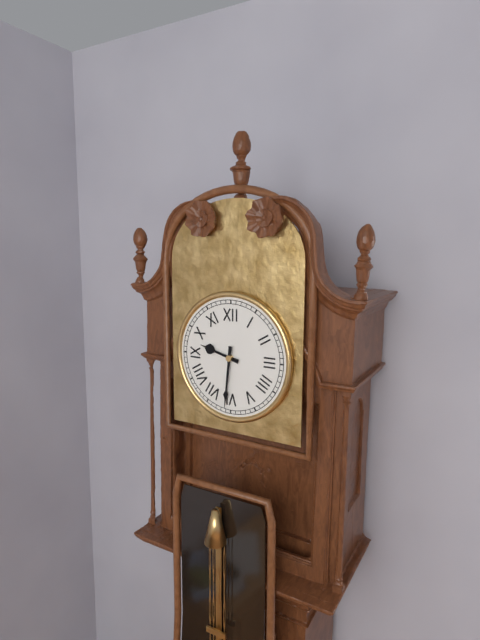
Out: {"hour": 9, "minute": 31}
